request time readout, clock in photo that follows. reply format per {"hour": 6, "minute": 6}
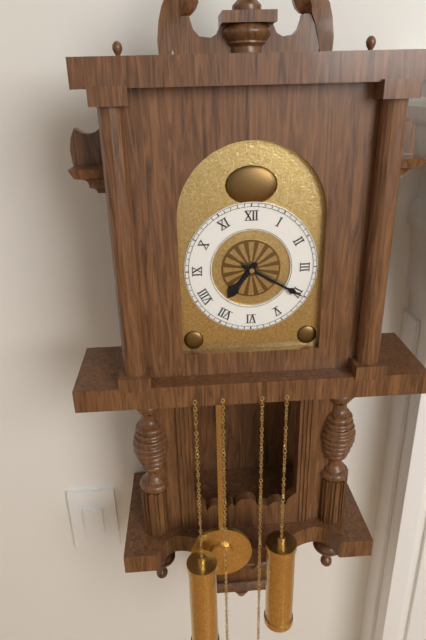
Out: {"hour": 7, "minute": 20}
